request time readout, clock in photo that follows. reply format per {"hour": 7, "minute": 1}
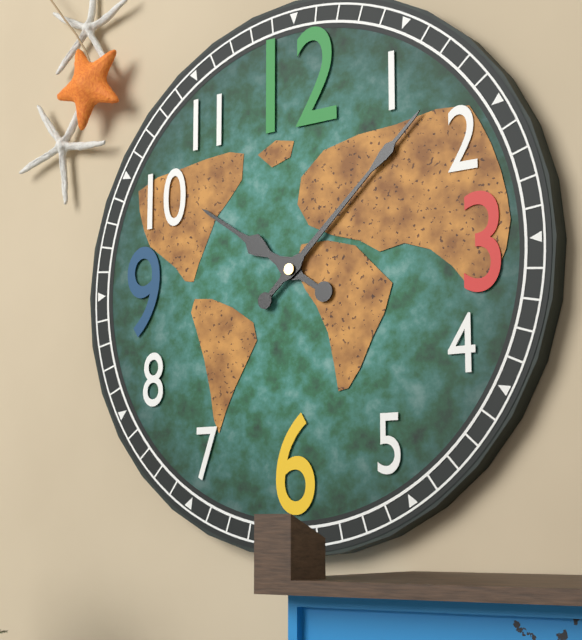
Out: {"hour": 10, "minute": 8}
